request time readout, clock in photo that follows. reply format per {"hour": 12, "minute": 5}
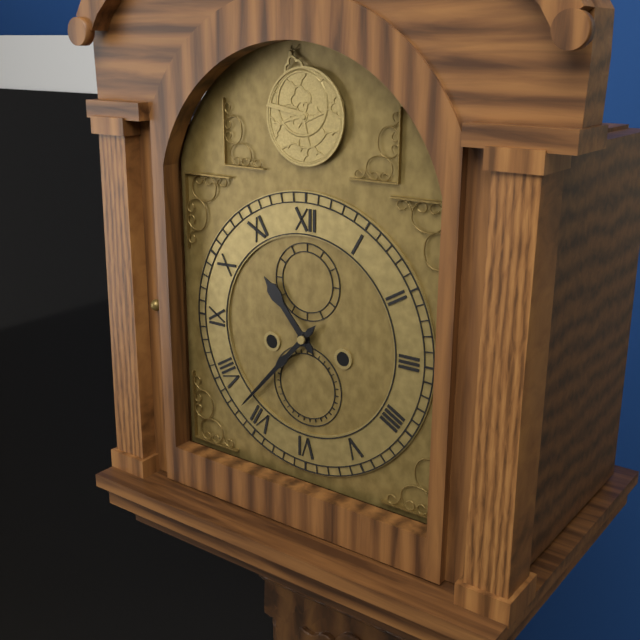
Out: {"hour": 10, "minute": 37}
